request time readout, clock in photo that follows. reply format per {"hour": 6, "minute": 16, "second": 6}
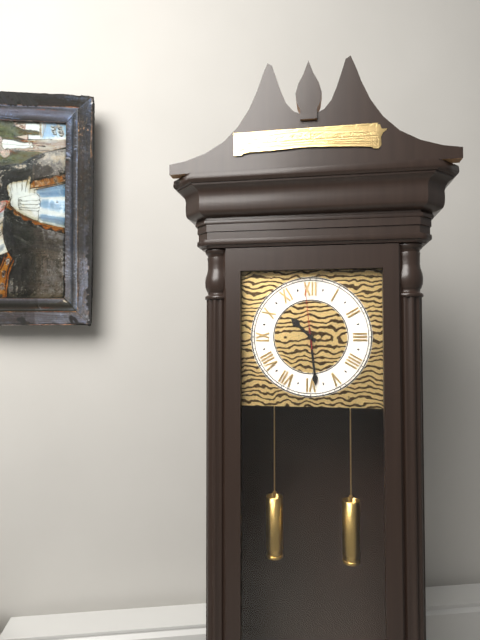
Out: {"hour": 10, "minute": 29, "second": 59}
